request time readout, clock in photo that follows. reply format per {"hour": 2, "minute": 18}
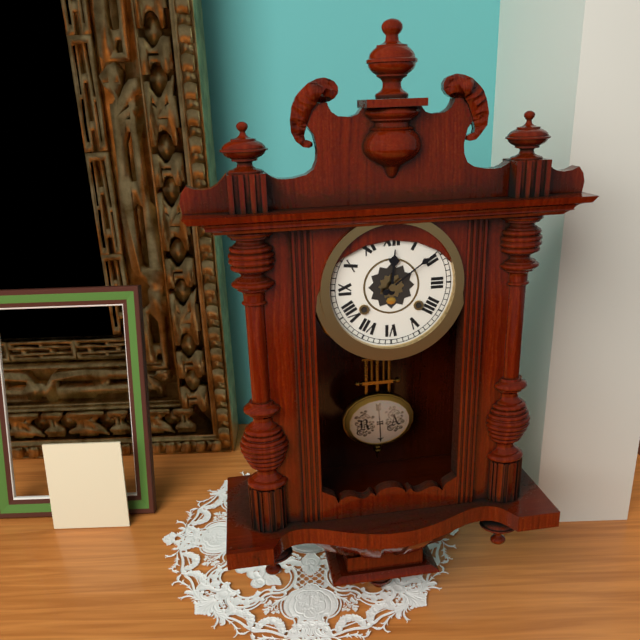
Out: {"hour": 12, "minute": 9}
